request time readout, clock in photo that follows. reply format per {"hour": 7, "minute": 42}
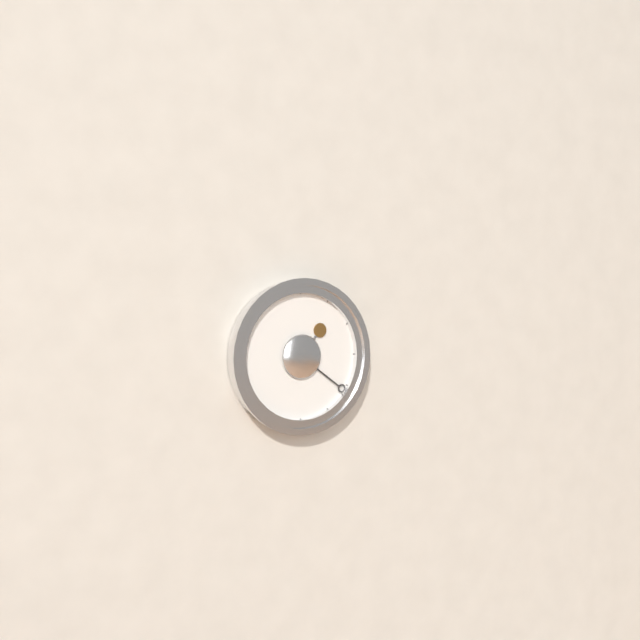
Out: {"hour": 1, "minute": 21}
